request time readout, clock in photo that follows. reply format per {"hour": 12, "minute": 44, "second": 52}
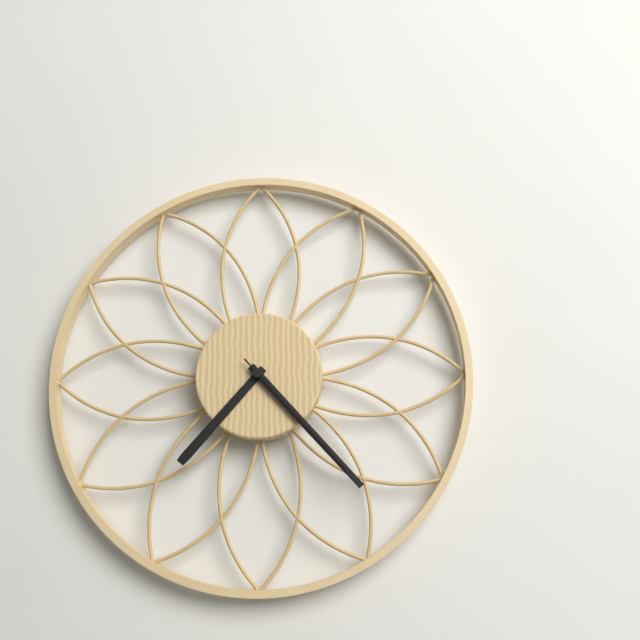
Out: {"hour": 7, "minute": 23, "second": 23}
